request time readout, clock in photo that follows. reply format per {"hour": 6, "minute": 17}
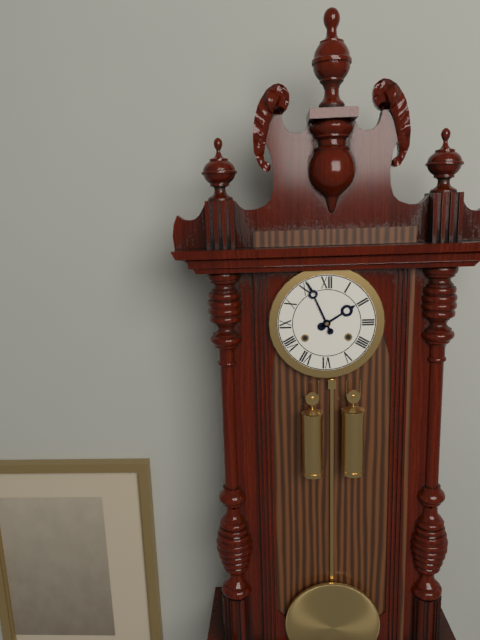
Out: {"hour": 1, "minute": 56}
